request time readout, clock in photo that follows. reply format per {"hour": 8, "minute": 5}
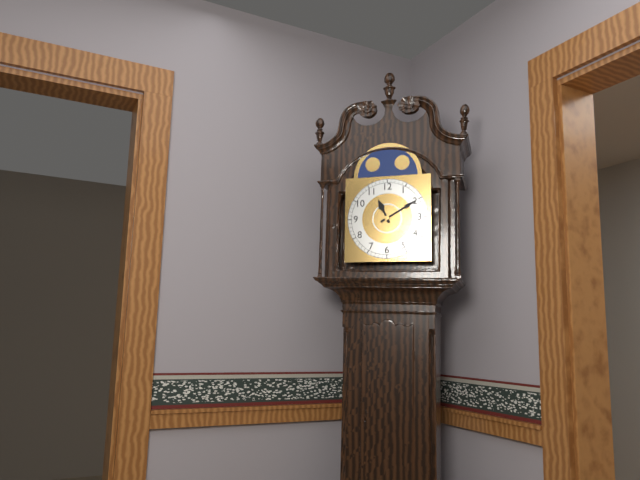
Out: {"hour": 11, "minute": 10}
